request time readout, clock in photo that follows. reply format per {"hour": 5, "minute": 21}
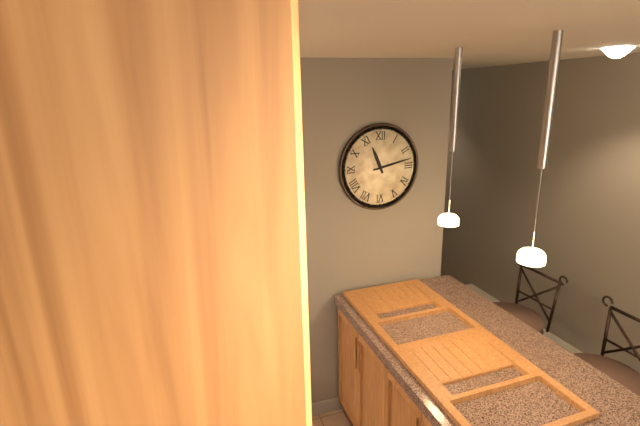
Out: {"hour": 11, "minute": 13}
